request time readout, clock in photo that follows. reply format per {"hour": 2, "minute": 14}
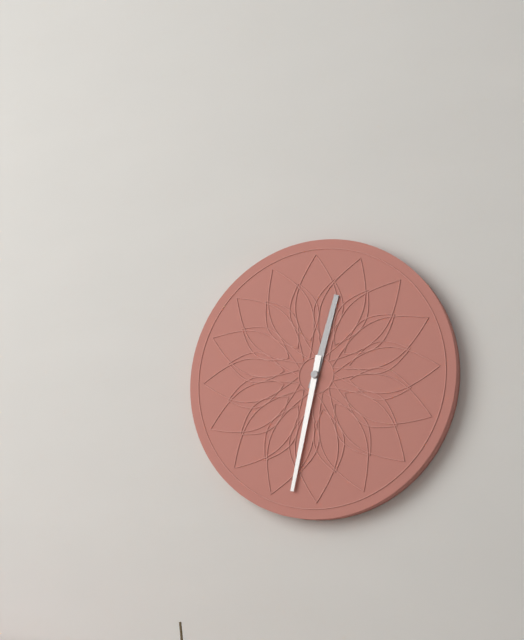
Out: {"hour": 12, "minute": 32}
